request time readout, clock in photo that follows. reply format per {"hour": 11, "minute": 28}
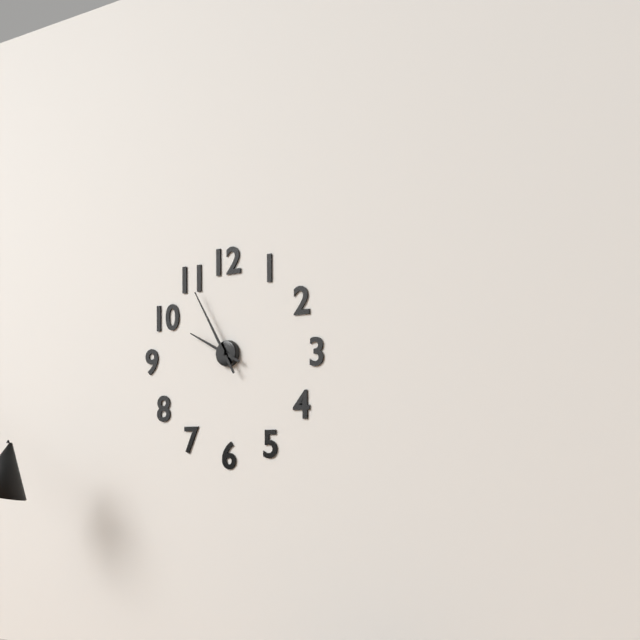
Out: {"hour": 9, "minute": 55}
